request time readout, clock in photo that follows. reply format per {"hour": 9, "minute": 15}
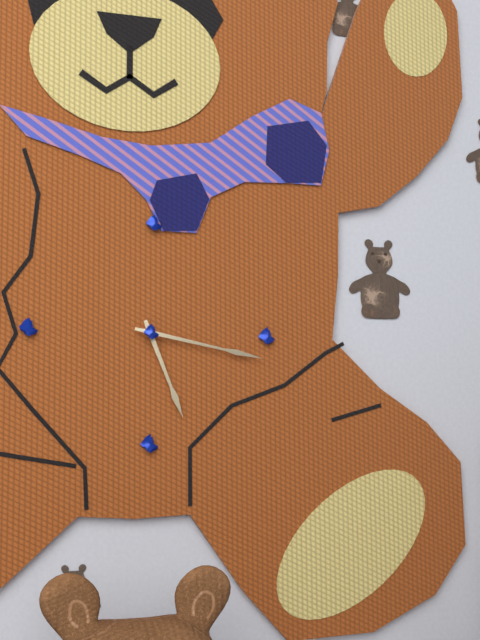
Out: {"hour": 5, "minute": 17}
